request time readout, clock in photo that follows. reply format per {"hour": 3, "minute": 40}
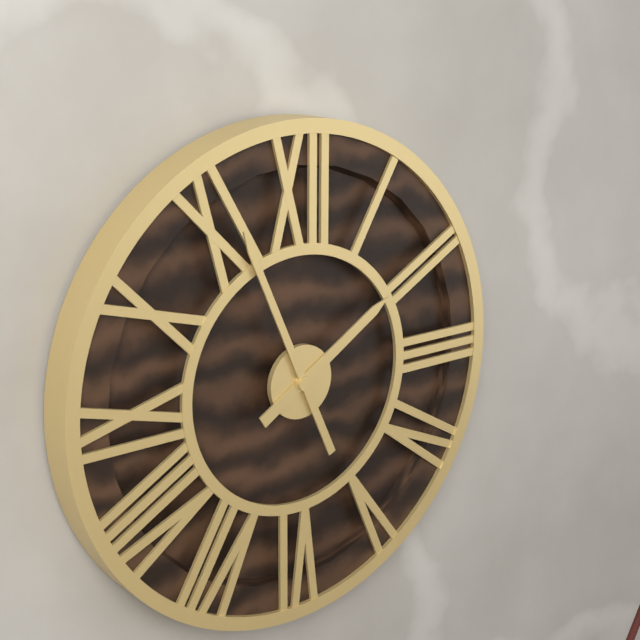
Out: {"hour": 1, "minute": 56}
